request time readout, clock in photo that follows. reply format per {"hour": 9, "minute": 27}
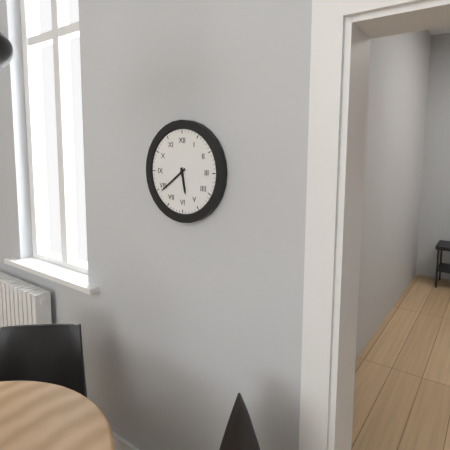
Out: {"hour": 5, "minute": 39}
